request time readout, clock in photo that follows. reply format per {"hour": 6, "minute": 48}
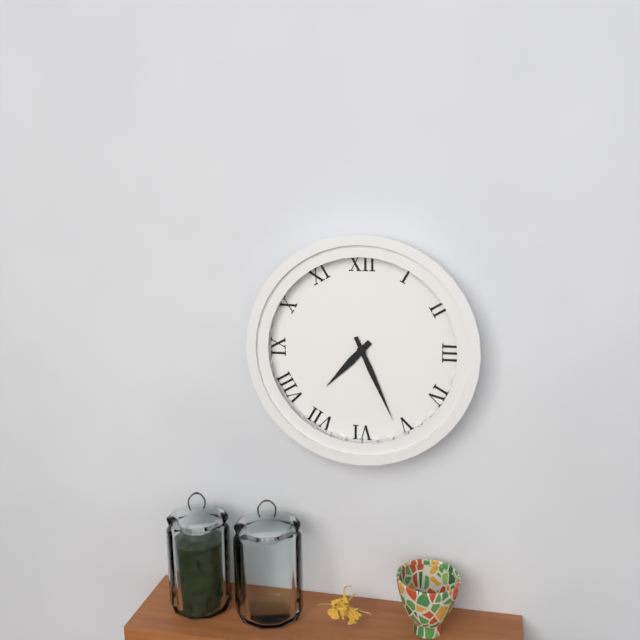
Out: {"hour": 7, "minute": 26}
